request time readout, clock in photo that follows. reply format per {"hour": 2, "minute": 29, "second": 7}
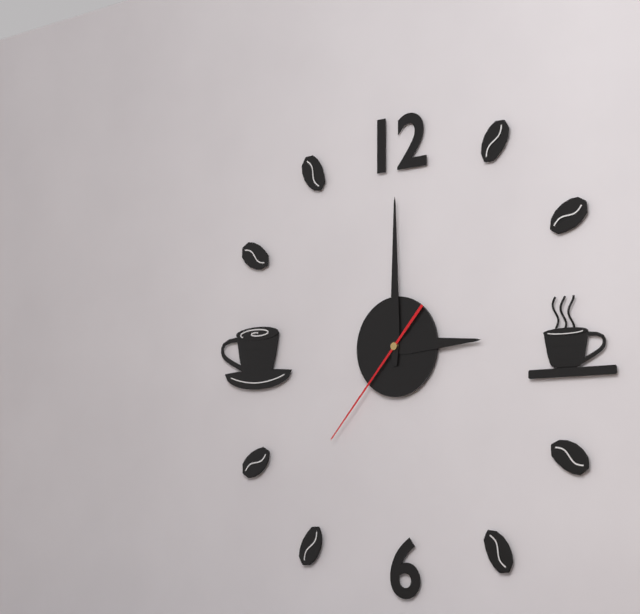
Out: {"hour": 3, "minute": 0, "second": 37}
